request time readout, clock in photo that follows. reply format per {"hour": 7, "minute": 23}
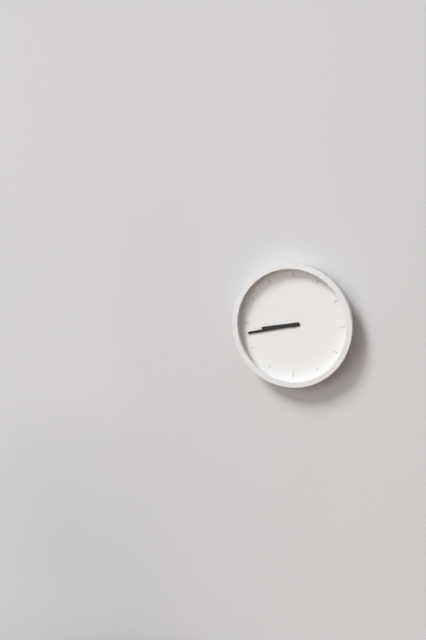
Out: {"hour": 8, "minute": 43}
